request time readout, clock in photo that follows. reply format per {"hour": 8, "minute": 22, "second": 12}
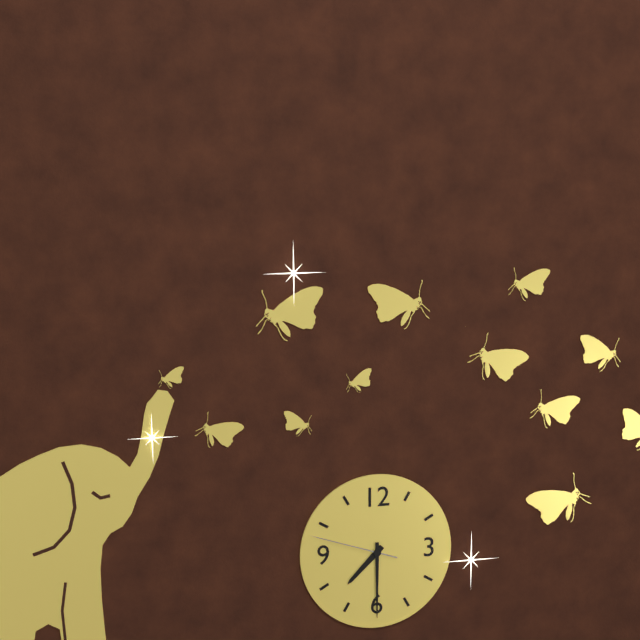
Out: {"hour": 7, "minute": 30, "second": 48}
